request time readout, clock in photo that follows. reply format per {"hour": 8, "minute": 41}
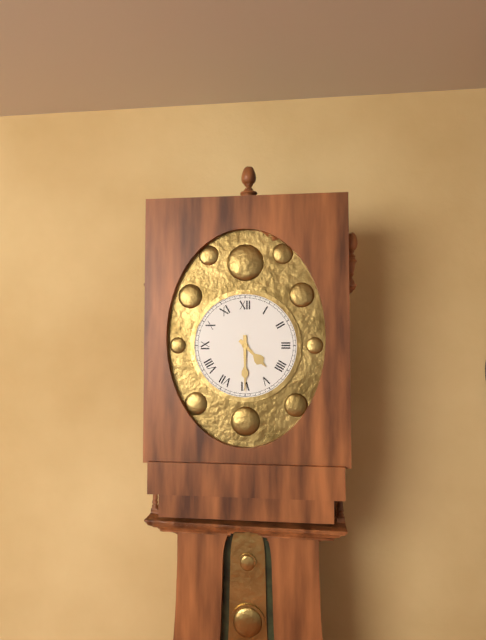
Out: {"hour": 4, "minute": 30}
